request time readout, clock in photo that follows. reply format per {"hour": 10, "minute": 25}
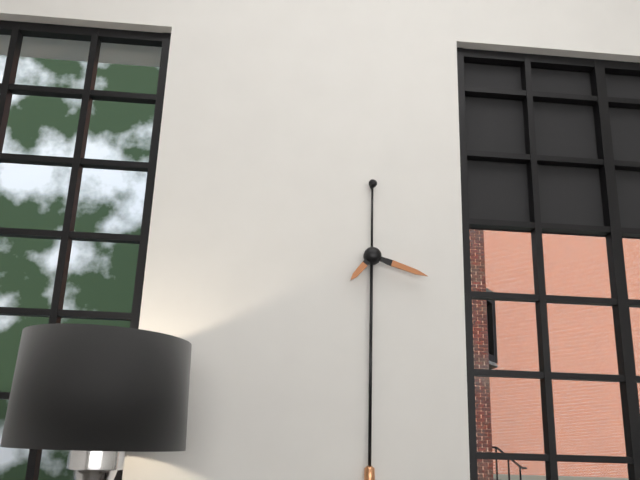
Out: {"hour": 7, "minute": 18}
